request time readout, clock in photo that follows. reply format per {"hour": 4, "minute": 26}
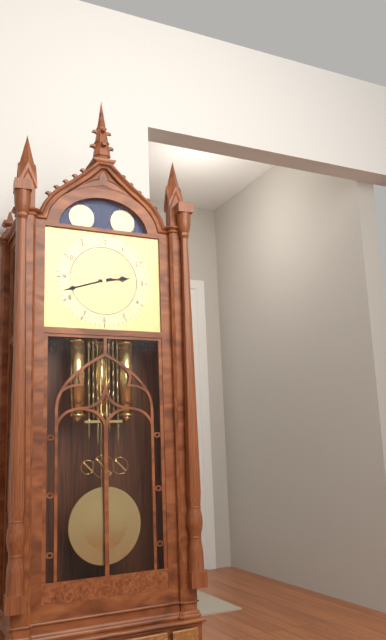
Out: {"hour": 2, "minute": 42}
